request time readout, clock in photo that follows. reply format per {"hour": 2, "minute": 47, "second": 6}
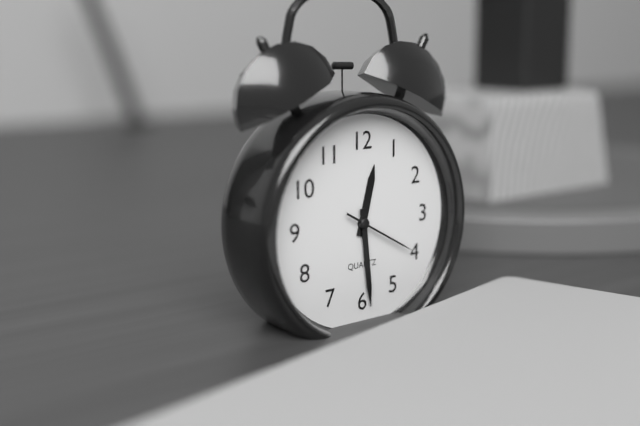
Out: {"hour": 12, "minute": 29, "second": 20}
